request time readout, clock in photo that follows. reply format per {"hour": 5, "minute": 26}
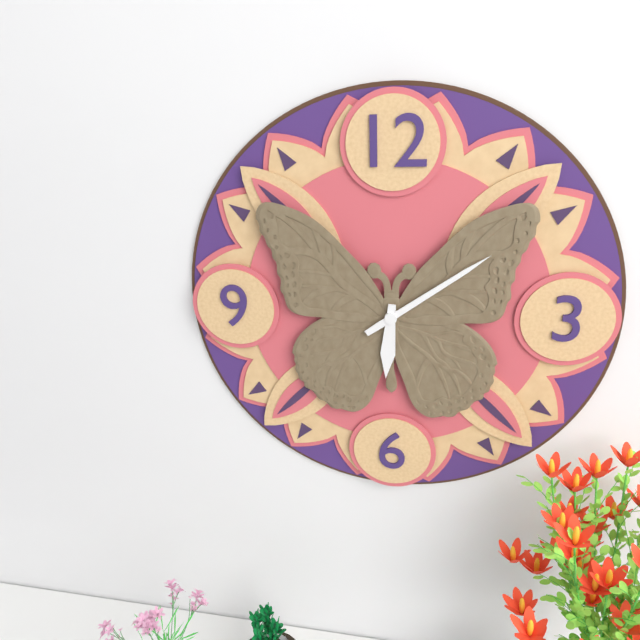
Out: {"hour": 6, "minute": 9}
